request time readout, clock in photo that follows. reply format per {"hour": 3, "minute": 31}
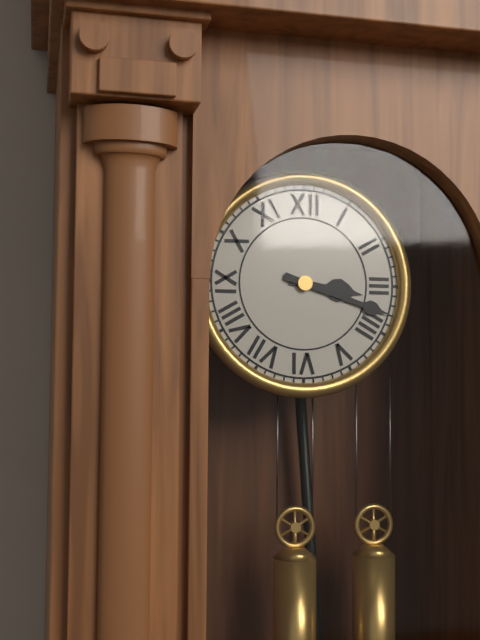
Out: {"hour": 3, "minute": 18}
